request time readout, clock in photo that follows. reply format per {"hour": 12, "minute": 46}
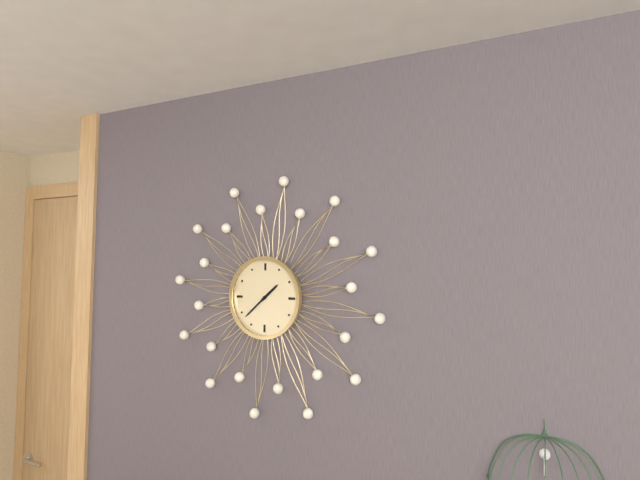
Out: {"hour": 1, "minute": 38}
